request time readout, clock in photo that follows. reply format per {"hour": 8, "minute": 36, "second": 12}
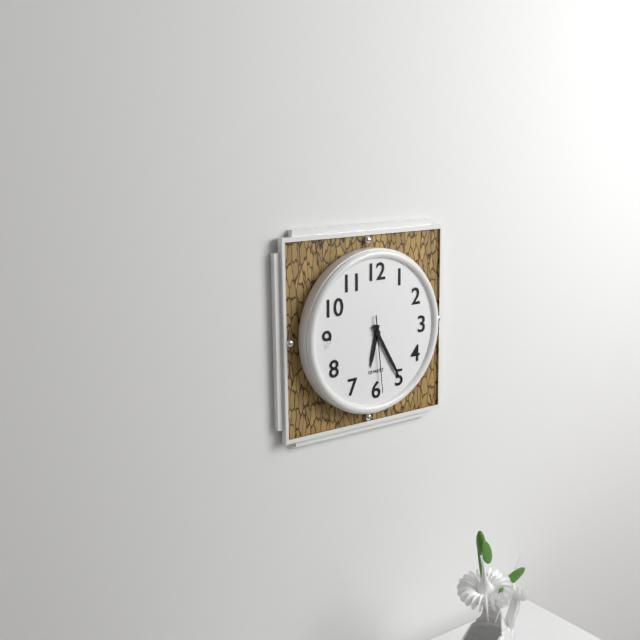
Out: {"hour": 6, "minute": 25, "second": 29}
